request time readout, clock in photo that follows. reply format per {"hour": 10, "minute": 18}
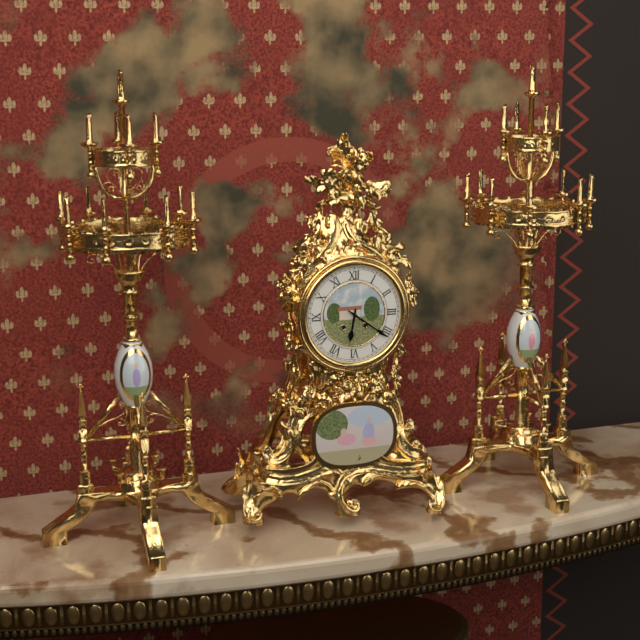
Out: {"hour": 6, "minute": 21}
